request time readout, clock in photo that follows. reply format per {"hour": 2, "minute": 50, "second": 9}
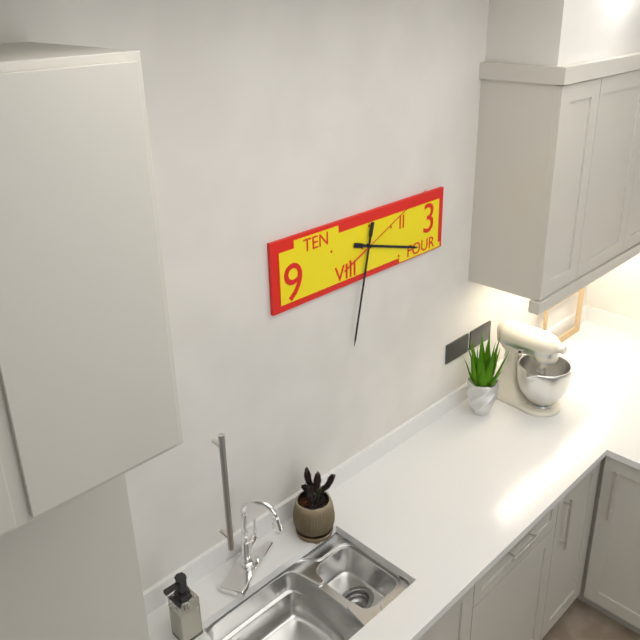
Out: {"hour": 3, "minute": 32, "second": 11}
